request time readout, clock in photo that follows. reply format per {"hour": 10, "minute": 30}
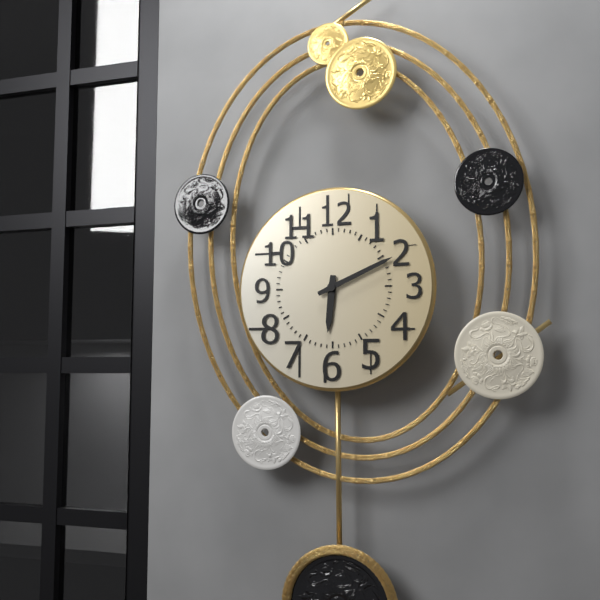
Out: {"hour": 6, "minute": 11}
